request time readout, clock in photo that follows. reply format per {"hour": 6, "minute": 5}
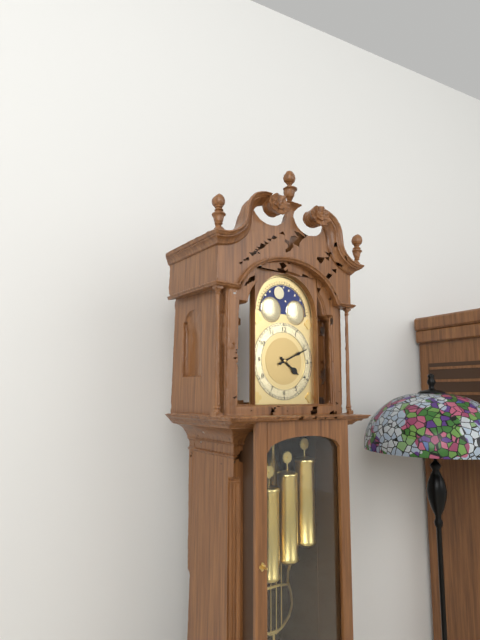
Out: {"hour": 4, "minute": 11}
